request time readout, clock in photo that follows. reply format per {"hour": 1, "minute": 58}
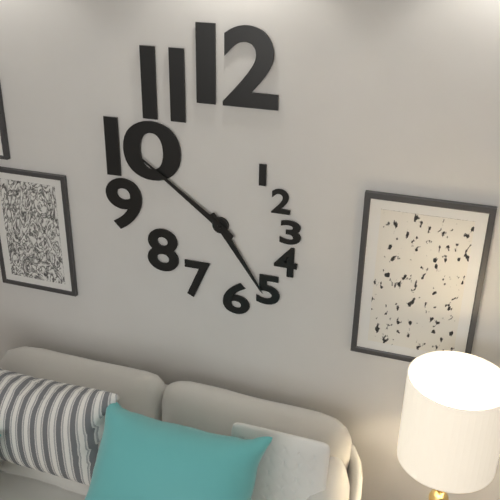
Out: {"hour": 4, "minute": 51}
